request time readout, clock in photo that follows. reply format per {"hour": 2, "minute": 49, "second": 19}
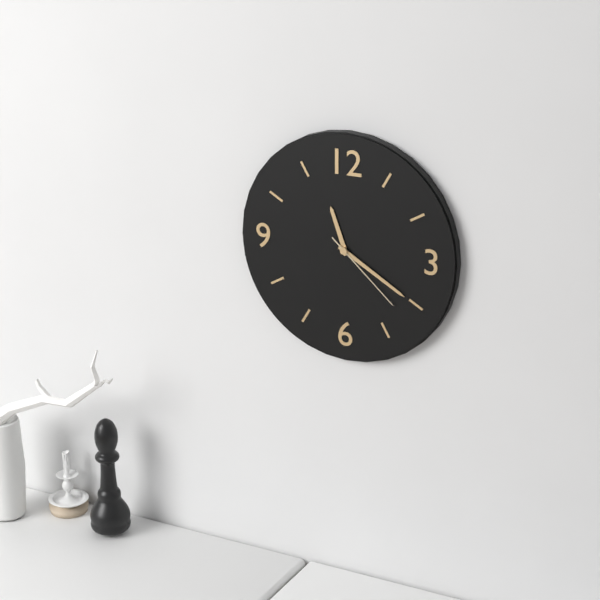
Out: {"hour": 11, "minute": 20, "second": 22}
